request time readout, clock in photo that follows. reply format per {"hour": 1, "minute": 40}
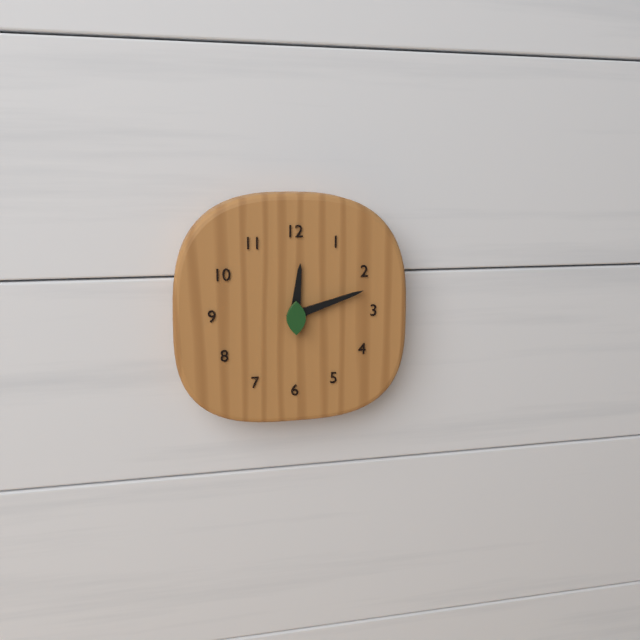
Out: {"hour": 12, "minute": 12}
